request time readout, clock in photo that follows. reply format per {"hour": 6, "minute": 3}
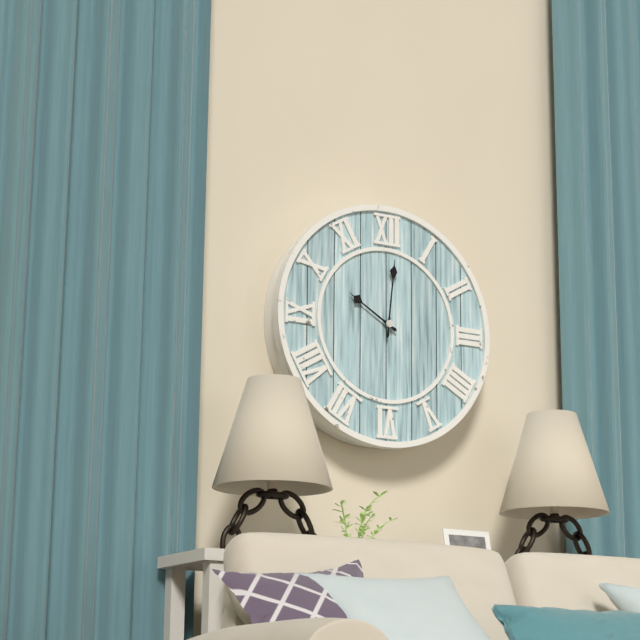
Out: {"hour": 10, "minute": 1}
